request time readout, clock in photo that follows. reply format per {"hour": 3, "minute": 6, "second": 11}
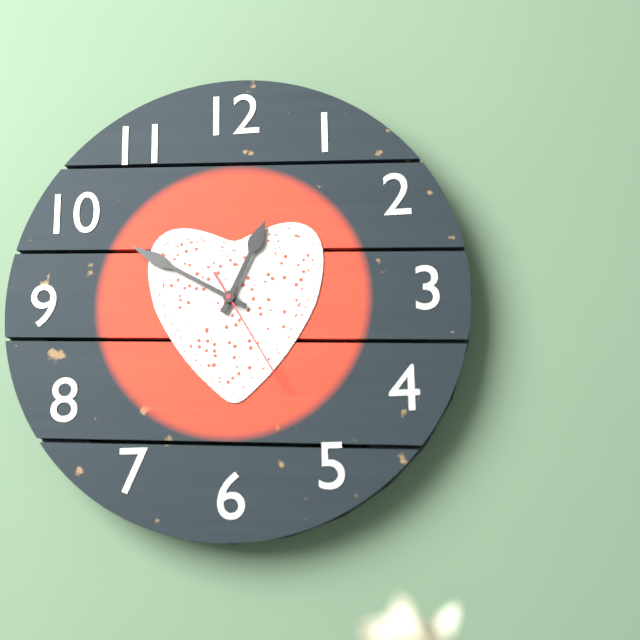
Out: {"hour": 12, "minute": 50, "second": 25}
